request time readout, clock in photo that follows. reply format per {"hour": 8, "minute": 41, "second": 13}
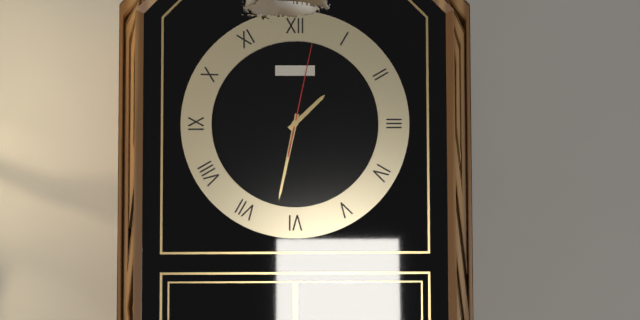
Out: {"hour": 1, "minute": 32, "second": 2}
